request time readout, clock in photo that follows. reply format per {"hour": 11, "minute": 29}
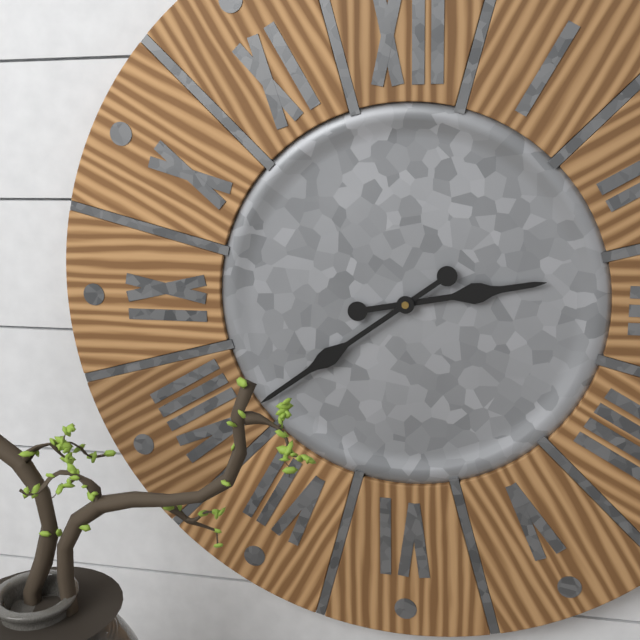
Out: {"hour": 2, "minute": 39}
